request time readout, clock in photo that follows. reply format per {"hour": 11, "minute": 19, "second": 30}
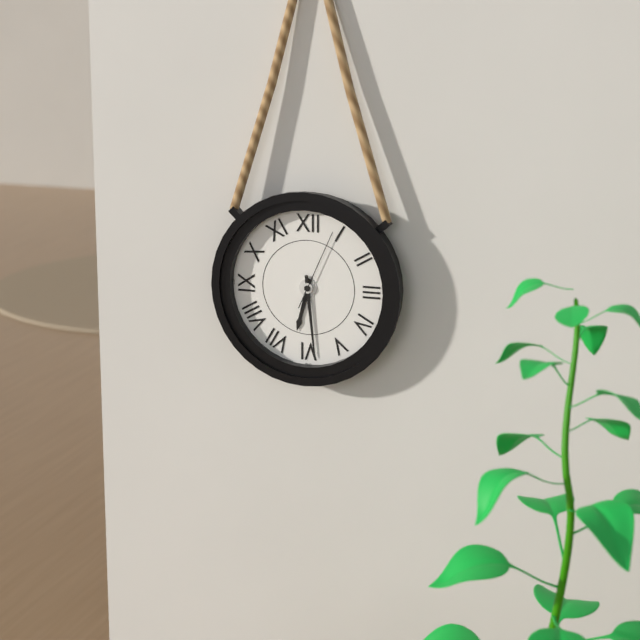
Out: {"hour": 6, "minute": 29, "second": 4}
